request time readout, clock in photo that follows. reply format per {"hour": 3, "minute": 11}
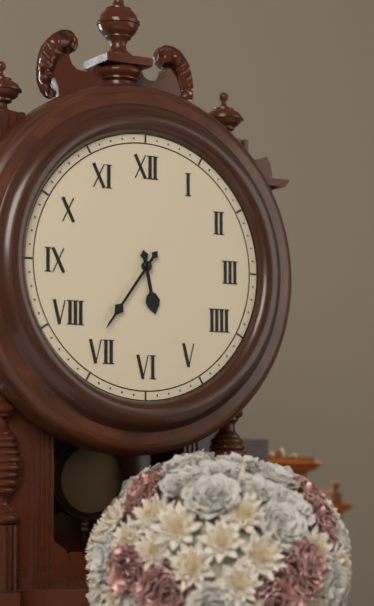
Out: {"hour": 5, "minute": 36}
